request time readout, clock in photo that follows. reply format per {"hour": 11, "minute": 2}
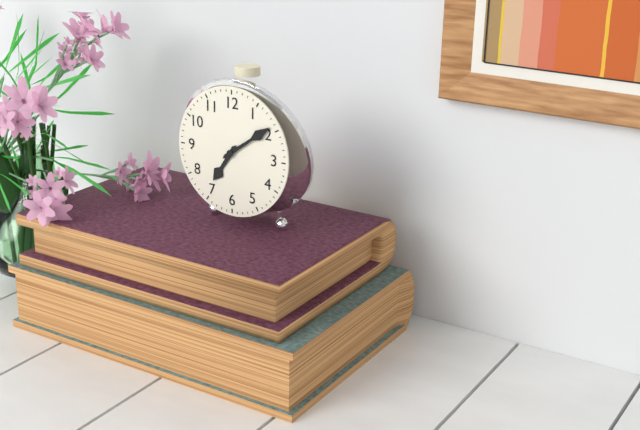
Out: {"hour": 7, "minute": 9}
